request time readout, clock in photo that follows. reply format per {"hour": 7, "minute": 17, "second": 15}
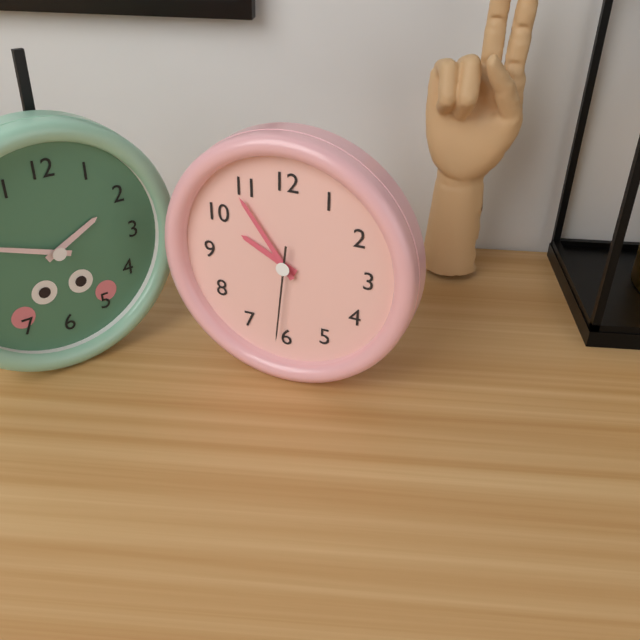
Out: {"hour": 9, "minute": 54, "second": 31}
